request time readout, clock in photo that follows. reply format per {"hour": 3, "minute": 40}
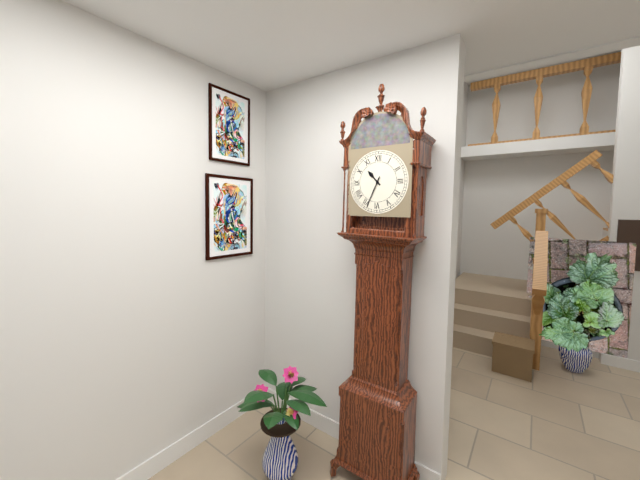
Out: {"hour": 10, "minute": 34}
